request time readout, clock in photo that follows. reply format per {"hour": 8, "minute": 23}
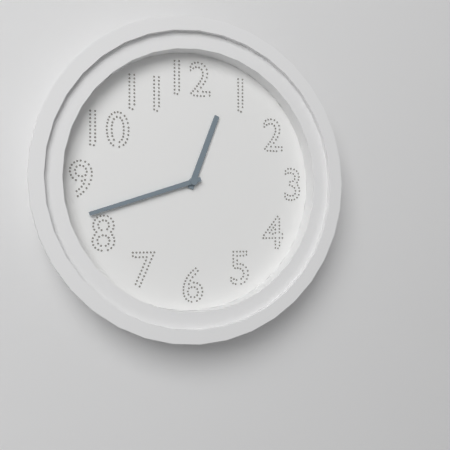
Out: {"hour": 12, "minute": 42}
